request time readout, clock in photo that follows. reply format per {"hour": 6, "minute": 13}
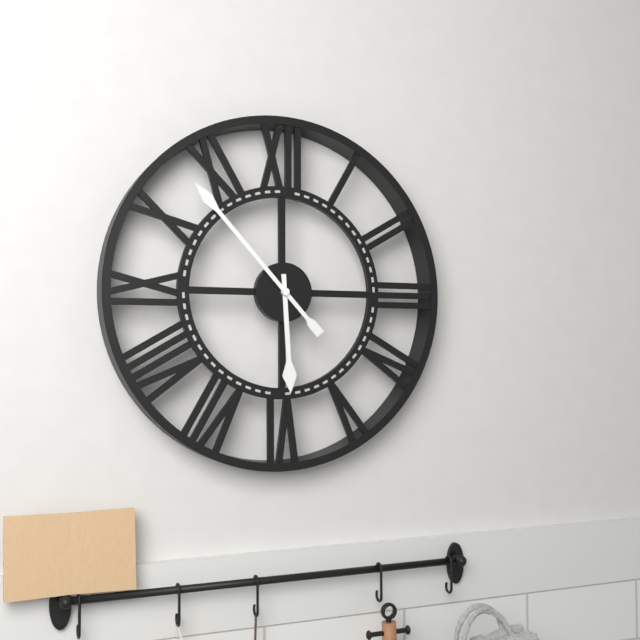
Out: {"hour": 5, "minute": 53}
